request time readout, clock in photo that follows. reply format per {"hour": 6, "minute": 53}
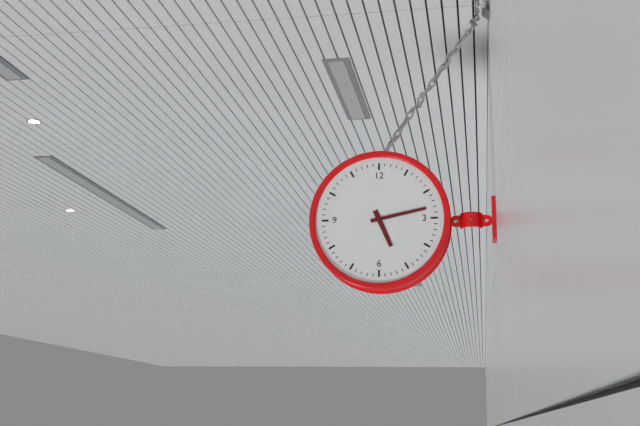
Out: {"hour": 5, "minute": 13}
